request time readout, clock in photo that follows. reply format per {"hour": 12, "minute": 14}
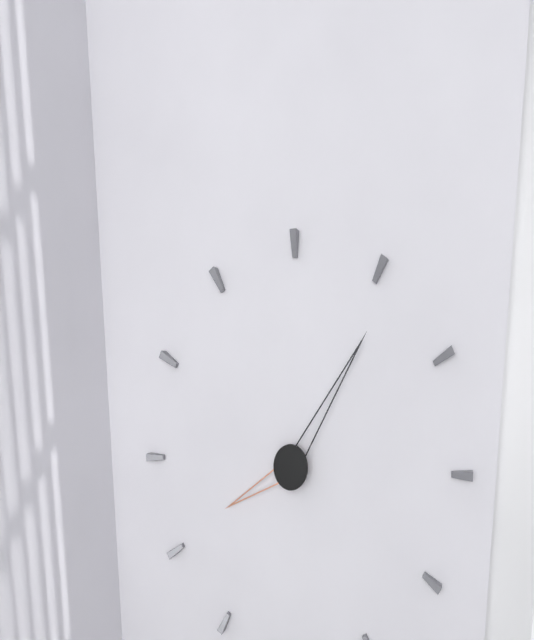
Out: {"hour": 8, "minute": 6}
